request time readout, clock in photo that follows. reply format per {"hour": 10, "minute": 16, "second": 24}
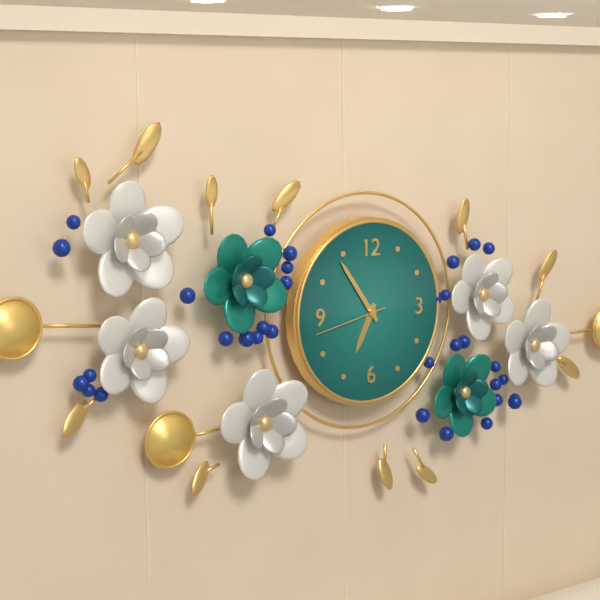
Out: {"hour": 6, "minute": 54, "second": 43}
